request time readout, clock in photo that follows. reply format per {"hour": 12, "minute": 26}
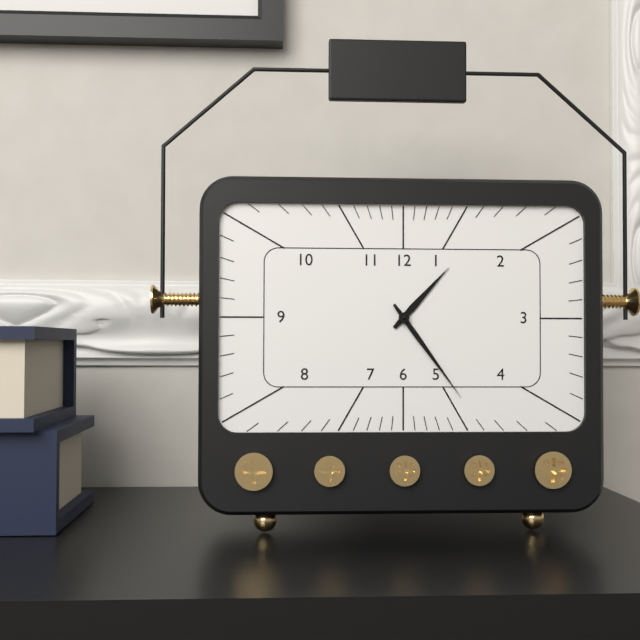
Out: {"hour": 1, "minute": 24}
